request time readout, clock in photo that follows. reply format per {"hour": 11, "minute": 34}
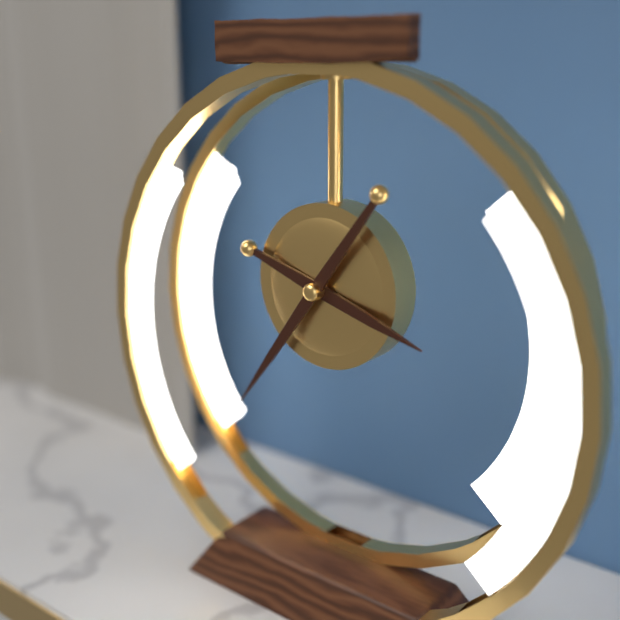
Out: {"hour": 3, "minute": 36}
